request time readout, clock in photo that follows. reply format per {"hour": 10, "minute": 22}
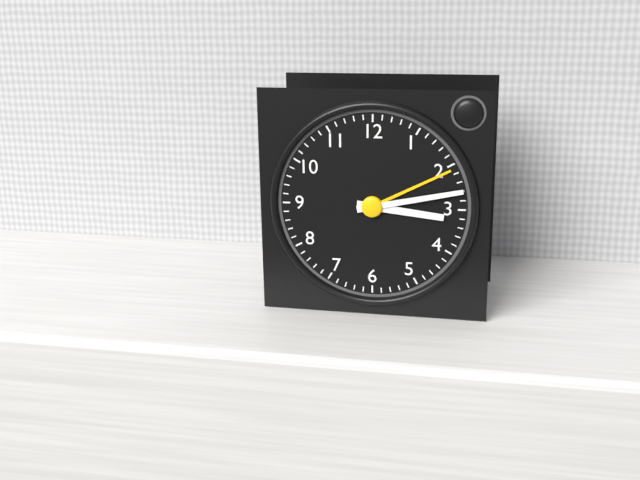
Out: {"hour": 3, "minute": 13}
